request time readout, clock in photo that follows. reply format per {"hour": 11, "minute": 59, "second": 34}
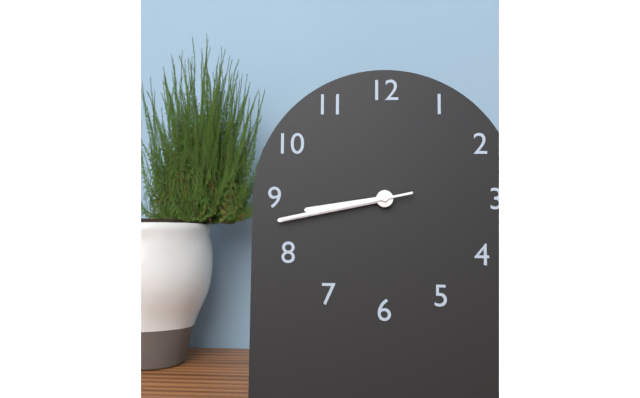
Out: {"hour": 8, "minute": 43, "second": 43}
